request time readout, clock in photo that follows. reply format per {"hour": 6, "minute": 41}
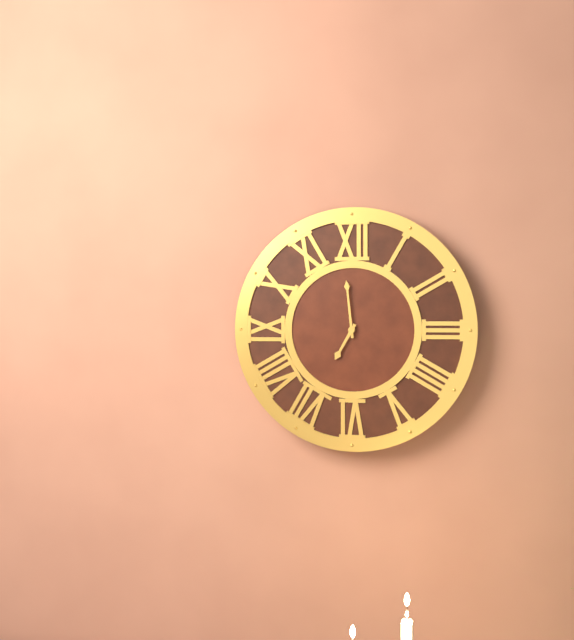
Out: {"hour": 6, "minute": 59}
